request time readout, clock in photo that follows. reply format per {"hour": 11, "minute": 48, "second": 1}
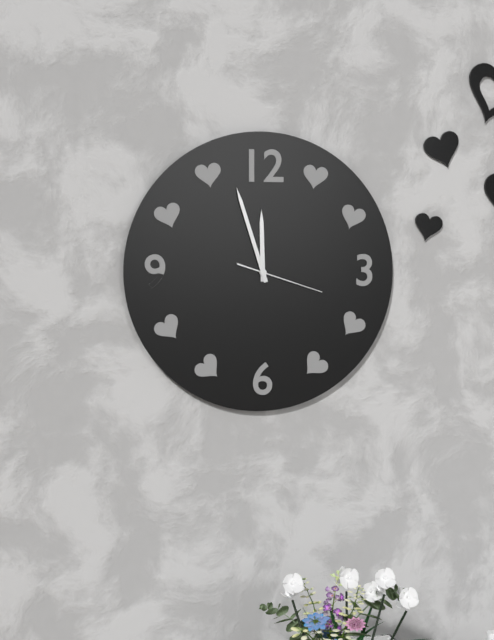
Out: {"hour": 11, "minute": 57, "second": 18}
